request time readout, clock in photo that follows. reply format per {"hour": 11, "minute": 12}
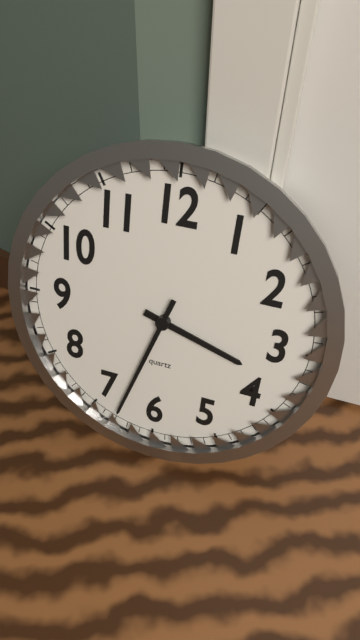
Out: {"hour": 3, "minute": 33}
